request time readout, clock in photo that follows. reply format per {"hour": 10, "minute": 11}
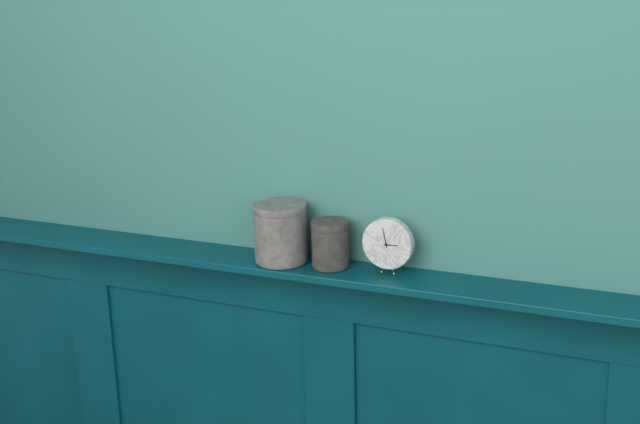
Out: {"hour": 2, "minute": 58}
